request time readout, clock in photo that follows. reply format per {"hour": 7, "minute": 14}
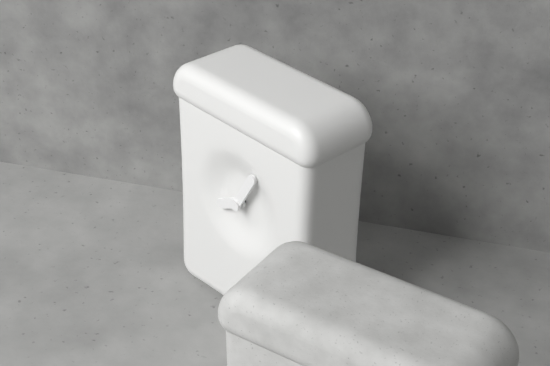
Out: {"hour": 8, "minute": 5}
